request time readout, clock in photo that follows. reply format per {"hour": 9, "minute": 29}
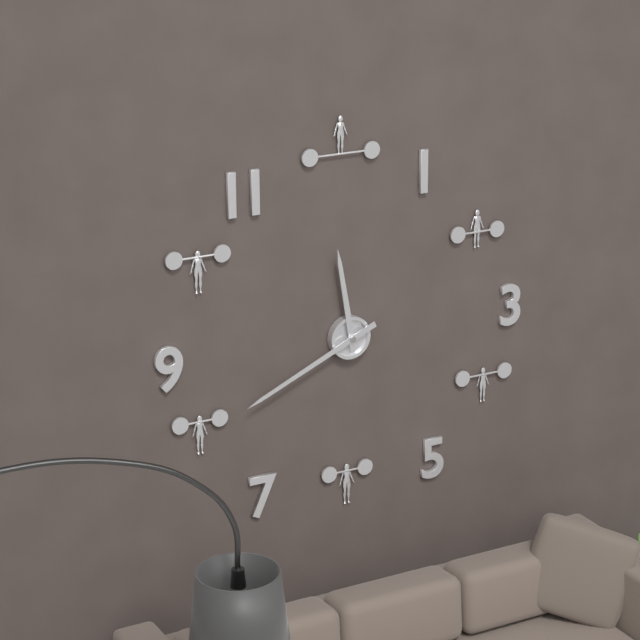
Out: {"hour": 11, "minute": 41}
